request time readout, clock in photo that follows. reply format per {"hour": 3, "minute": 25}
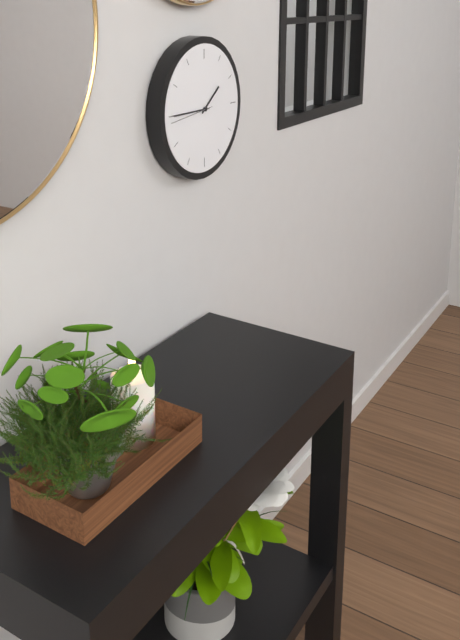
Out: {"hour": 1, "minute": 45}
